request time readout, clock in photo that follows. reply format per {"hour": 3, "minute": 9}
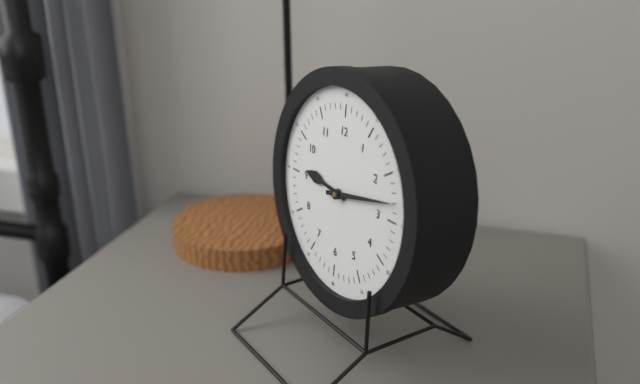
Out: {"hour": 9, "minute": 13}
